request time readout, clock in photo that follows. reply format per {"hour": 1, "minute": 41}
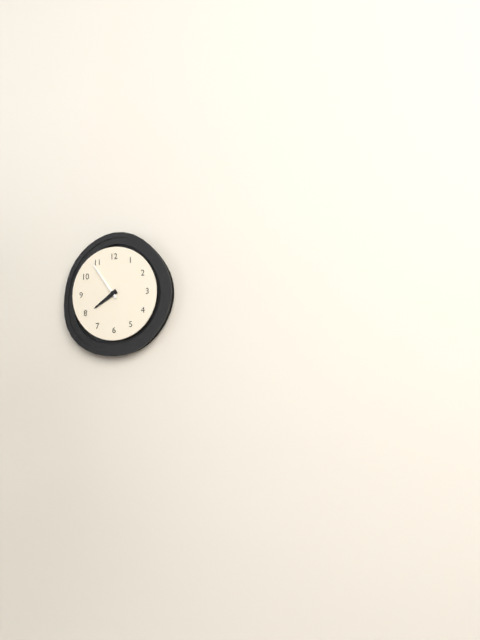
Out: {"hour": 7, "minute": 54}
